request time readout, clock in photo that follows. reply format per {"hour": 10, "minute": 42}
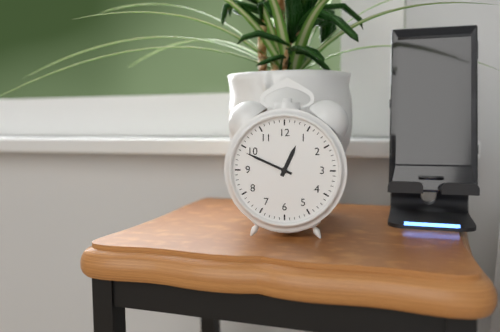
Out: {"hour": 12, "minute": 49}
